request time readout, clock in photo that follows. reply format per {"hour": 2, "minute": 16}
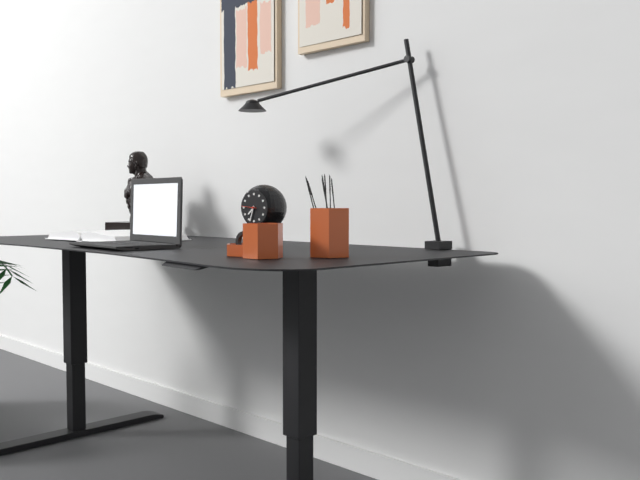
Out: {"hour": 7, "minute": 33}
